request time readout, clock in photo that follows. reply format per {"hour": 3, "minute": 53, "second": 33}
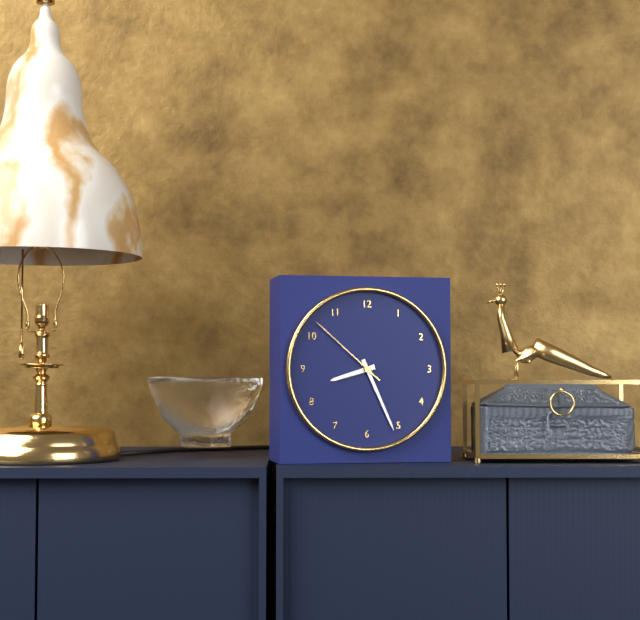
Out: {"hour": 8, "minute": 26, "second": 52}
